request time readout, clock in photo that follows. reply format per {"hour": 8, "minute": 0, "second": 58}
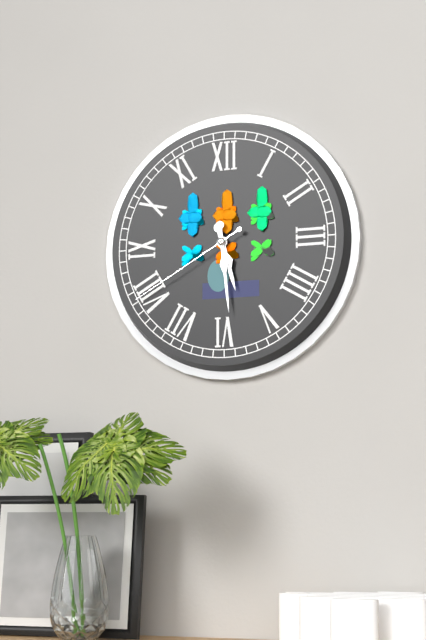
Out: {"hour": 5, "minute": 29, "second": 40}
